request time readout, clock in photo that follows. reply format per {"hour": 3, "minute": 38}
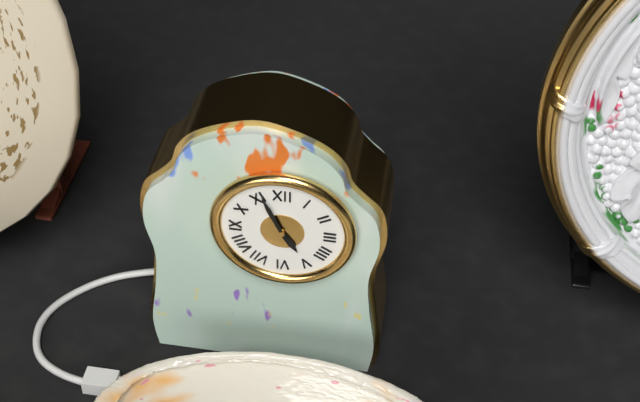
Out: {"hour": 4, "minute": 56}
